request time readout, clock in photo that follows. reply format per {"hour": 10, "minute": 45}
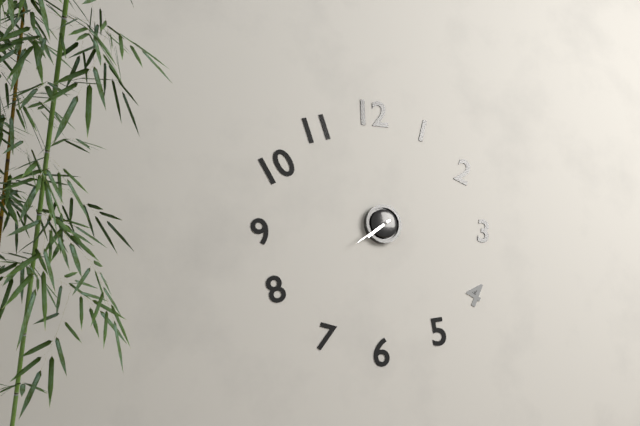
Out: {"hour": 7, "minute": 39}
